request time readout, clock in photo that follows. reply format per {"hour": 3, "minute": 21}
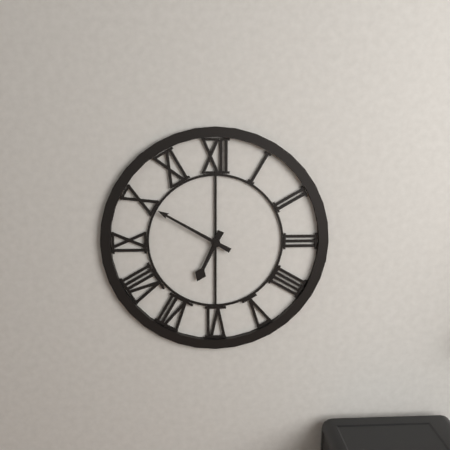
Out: {"hour": 6, "minute": 50}
